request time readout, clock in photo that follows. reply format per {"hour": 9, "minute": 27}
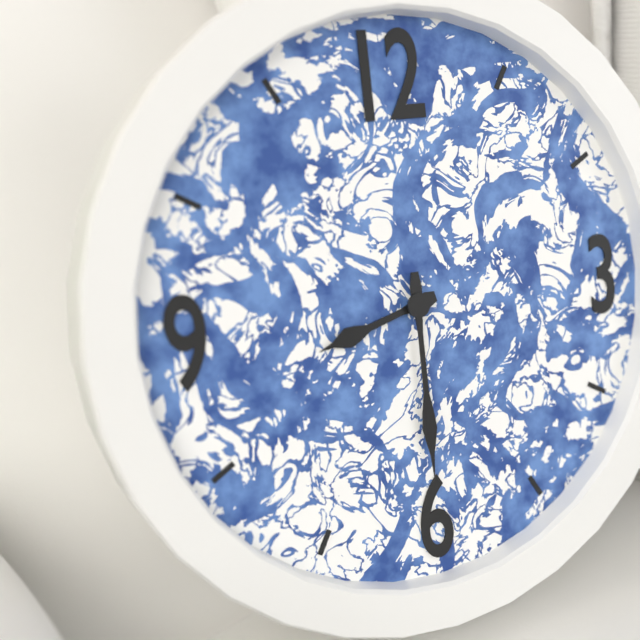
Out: {"hour": 8, "minute": 30}
